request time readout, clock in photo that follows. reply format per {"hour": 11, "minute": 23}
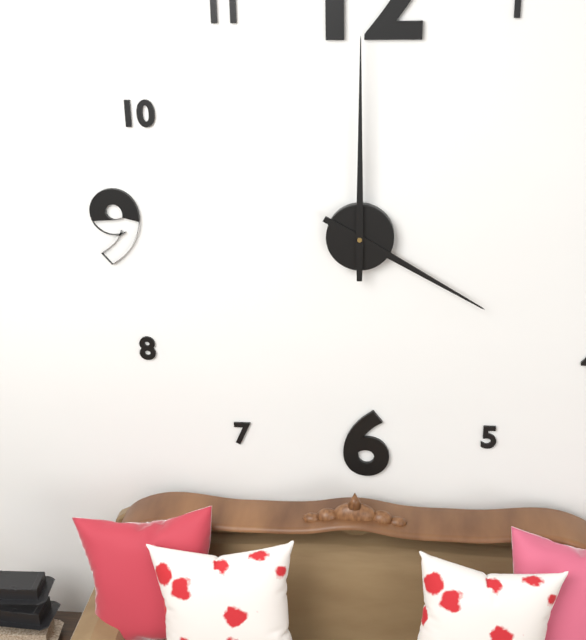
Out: {"hour": 4, "minute": 0}
